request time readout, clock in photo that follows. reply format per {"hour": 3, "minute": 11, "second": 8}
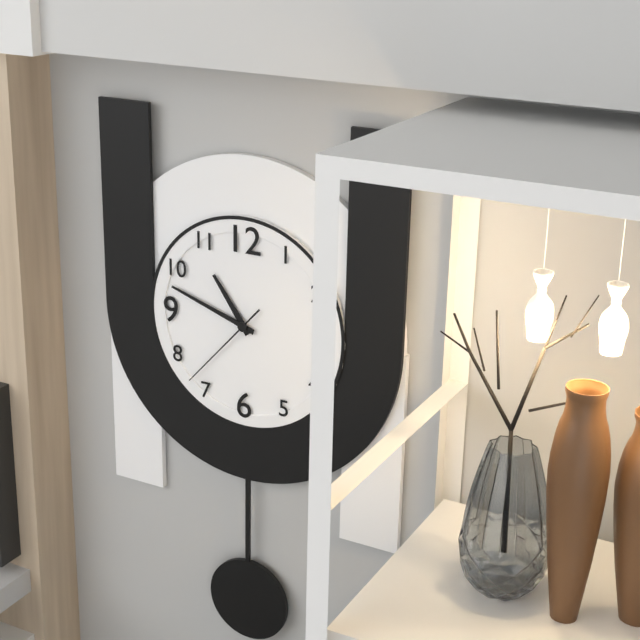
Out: {"hour": 10, "minute": 48, "second": 37}
